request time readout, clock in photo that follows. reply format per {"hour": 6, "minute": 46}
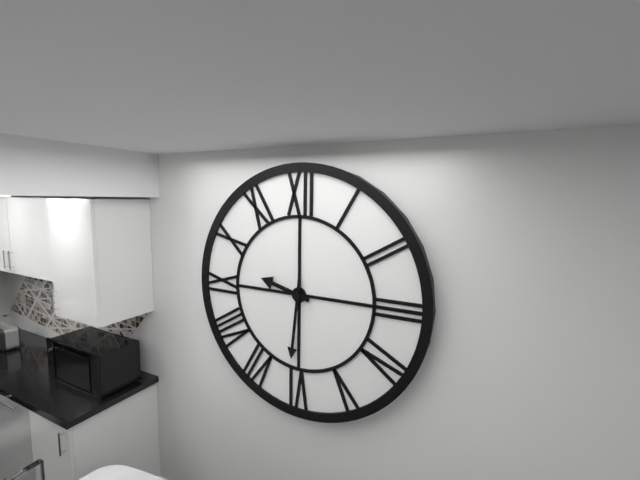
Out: {"hour": 9, "minute": 31}
